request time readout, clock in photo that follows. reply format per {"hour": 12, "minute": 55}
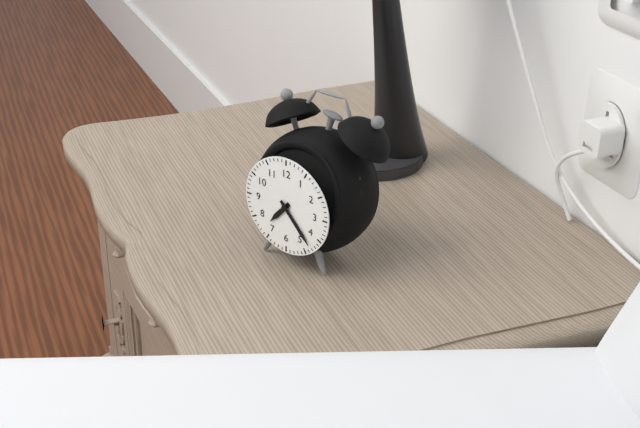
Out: {"hour": 7, "minute": 23}
